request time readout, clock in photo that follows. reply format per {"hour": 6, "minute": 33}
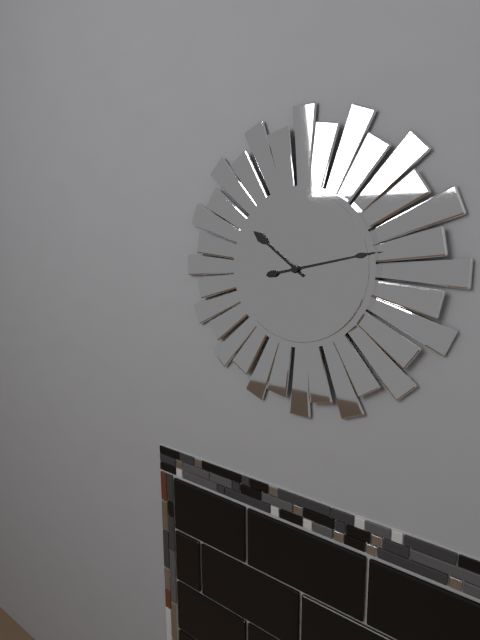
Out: {"hour": 10, "minute": 13}
